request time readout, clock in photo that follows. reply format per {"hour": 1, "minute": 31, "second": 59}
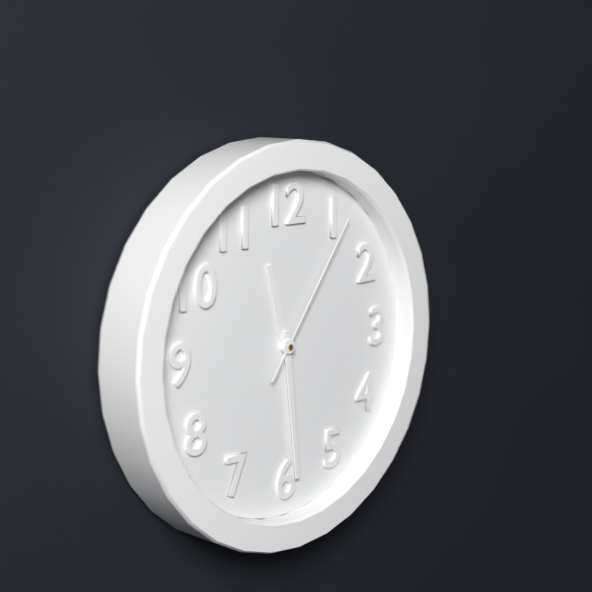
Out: {"hour": 11, "minute": 29, "second": 6}
